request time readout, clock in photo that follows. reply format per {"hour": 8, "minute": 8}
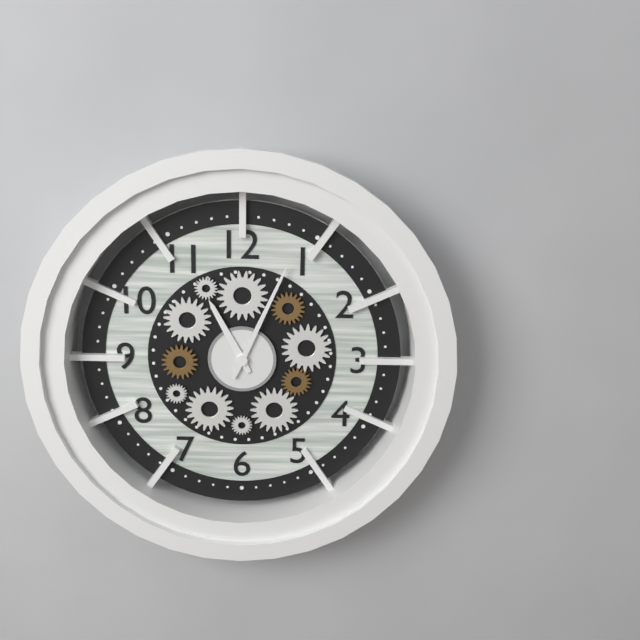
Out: {"hour": 11, "minute": 4}
